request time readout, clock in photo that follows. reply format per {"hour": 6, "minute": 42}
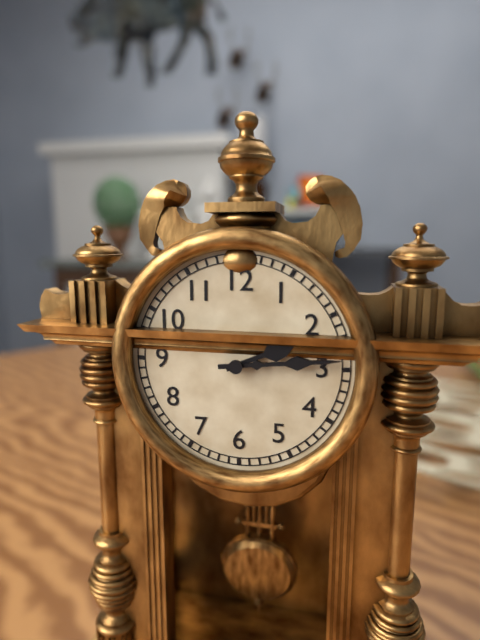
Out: {"hour": 2, "minute": 14}
